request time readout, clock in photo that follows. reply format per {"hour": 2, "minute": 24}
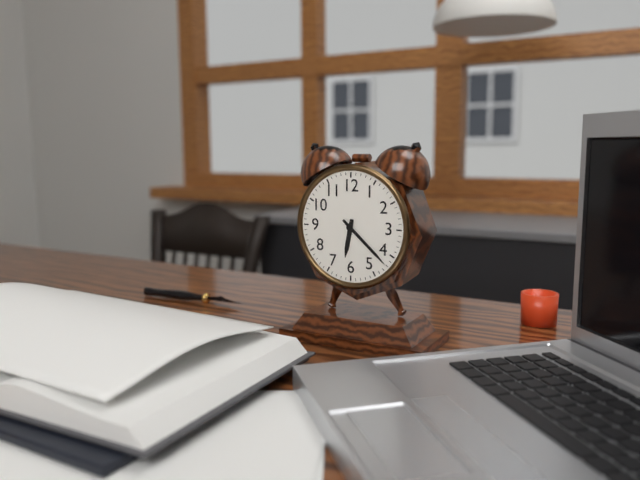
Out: {"hour": 6, "minute": 22}
